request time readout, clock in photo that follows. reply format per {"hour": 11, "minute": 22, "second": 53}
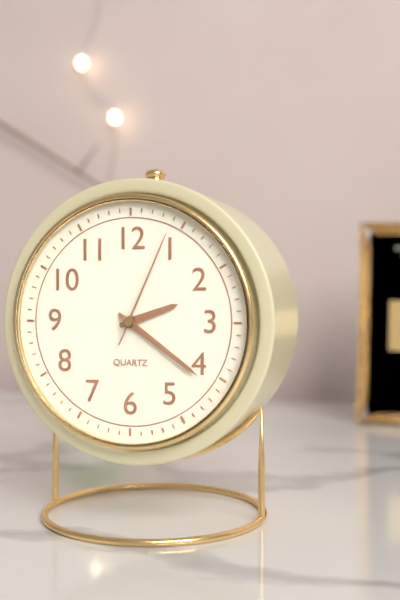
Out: {"hour": 2, "minute": 21, "second": 4}
